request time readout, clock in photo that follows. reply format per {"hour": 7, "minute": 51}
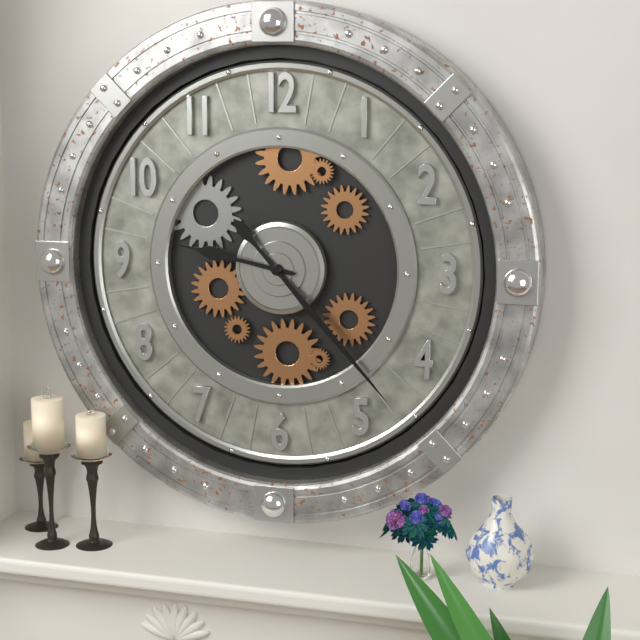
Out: {"hour": 9, "minute": 23}
